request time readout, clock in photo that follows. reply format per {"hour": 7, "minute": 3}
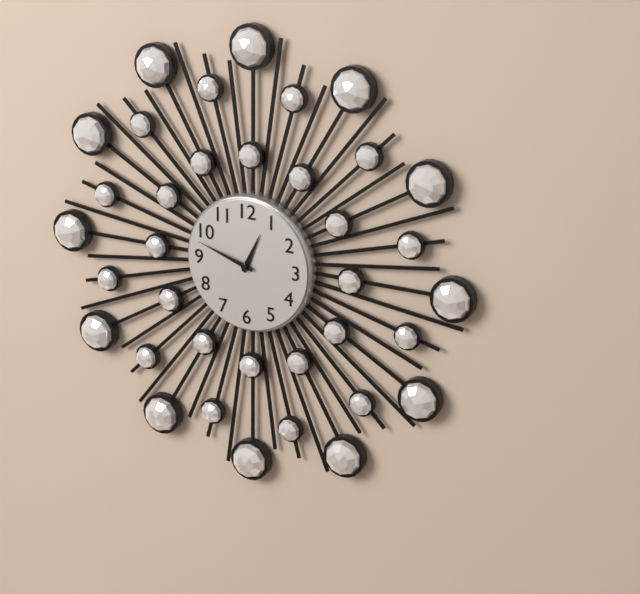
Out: {"hour": 12, "minute": 48}
